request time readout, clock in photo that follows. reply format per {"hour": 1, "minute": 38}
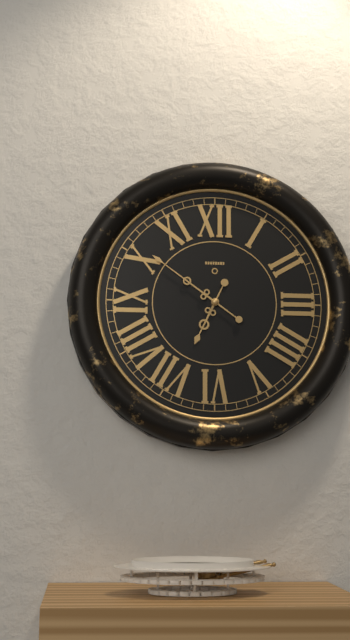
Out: {"hour": 6, "minute": 51}
